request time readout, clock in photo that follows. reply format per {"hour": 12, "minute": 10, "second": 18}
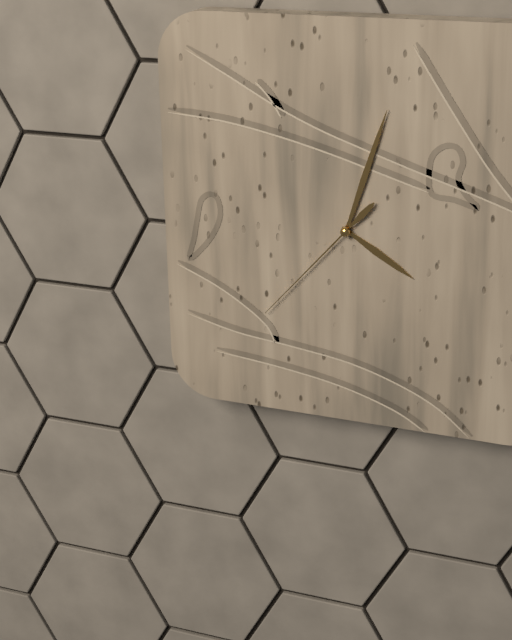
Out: {"hour": 4, "minute": 3, "second": 37}
